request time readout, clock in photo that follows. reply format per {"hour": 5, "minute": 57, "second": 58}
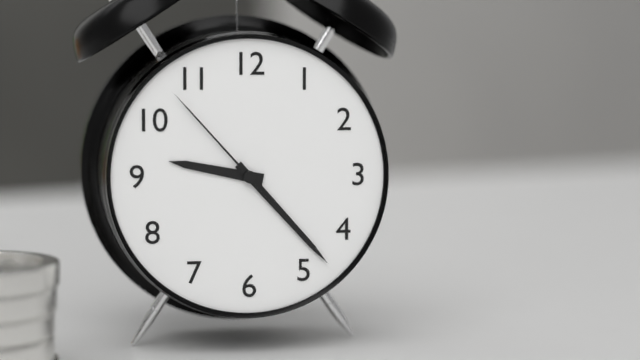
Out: {"hour": 9, "minute": 23, "second": 53}
